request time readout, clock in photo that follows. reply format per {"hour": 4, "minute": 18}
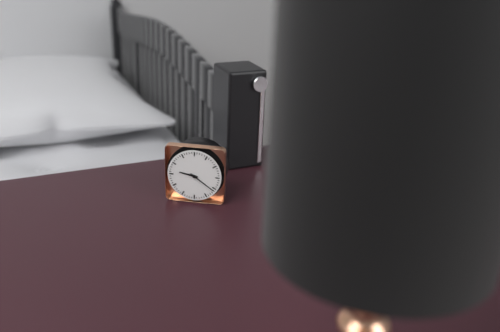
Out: {"hour": 9, "minute": 21}
